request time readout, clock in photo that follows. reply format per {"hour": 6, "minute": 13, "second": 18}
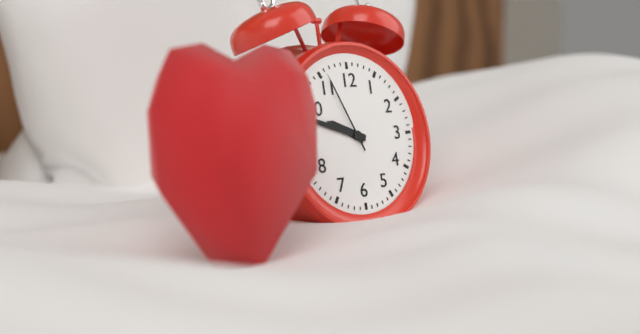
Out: {"hour": 9, "minute": 48, "second": 56}
